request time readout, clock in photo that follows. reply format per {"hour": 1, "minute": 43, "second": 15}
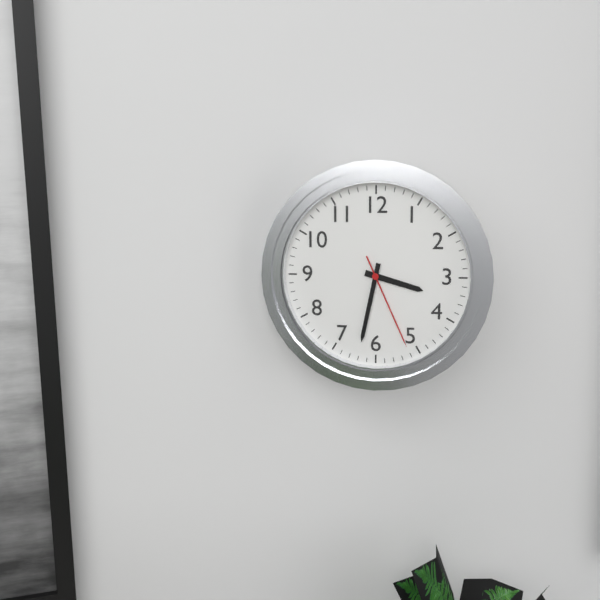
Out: {"hour": 3, "minute": 32, "second": 26}
